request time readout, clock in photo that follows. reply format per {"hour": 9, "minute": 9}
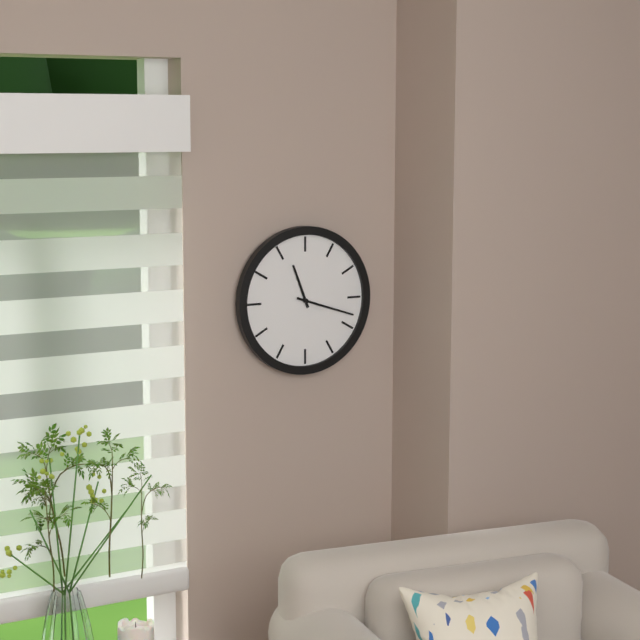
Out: {"hour": 11, "minute": 18}
